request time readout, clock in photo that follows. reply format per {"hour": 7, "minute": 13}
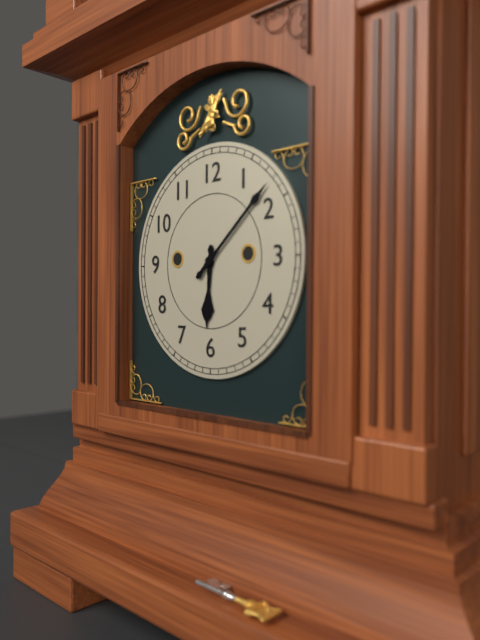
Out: {"hour": 6, "minute": 8}
